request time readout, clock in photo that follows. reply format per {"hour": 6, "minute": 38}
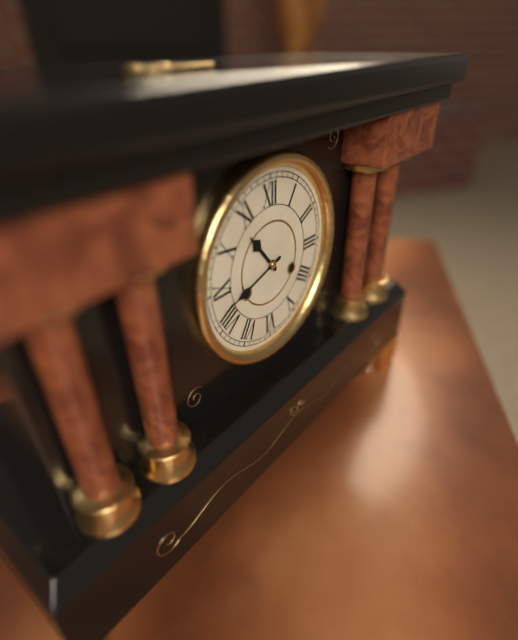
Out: {"hour": 10, "minute": 42}
